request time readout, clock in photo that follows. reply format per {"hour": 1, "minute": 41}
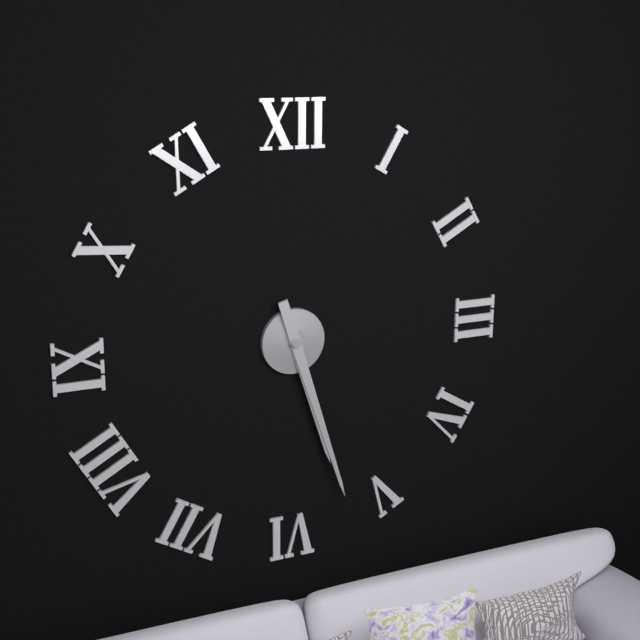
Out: {"hour": 5, "minute": 27}
